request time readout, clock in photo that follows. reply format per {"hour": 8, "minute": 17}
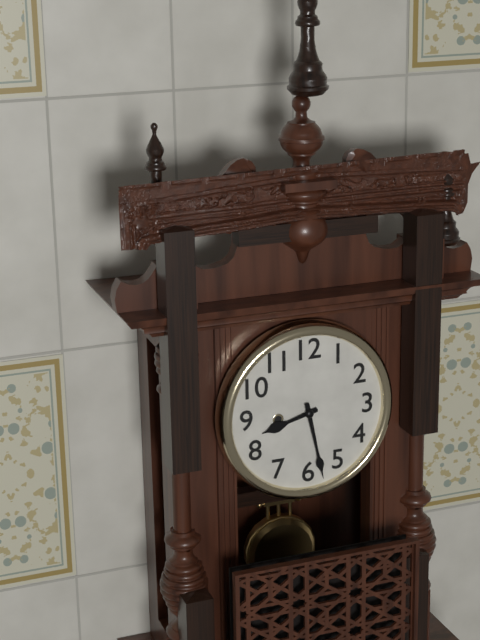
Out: {"hour": 8, "minute": 28}
